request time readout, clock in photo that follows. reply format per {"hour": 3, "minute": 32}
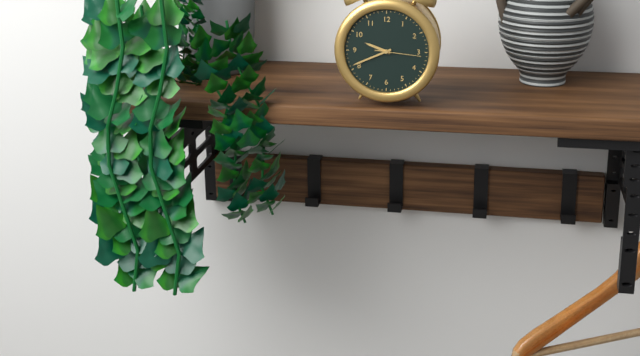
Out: {"hour": 9, "minute": 41}
